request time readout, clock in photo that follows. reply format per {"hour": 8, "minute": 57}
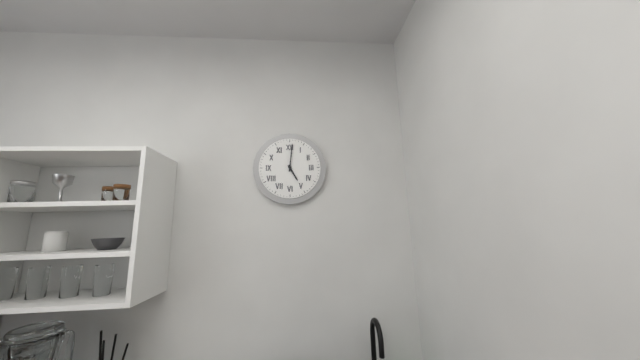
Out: {"hour": 5, "minute": 1}
